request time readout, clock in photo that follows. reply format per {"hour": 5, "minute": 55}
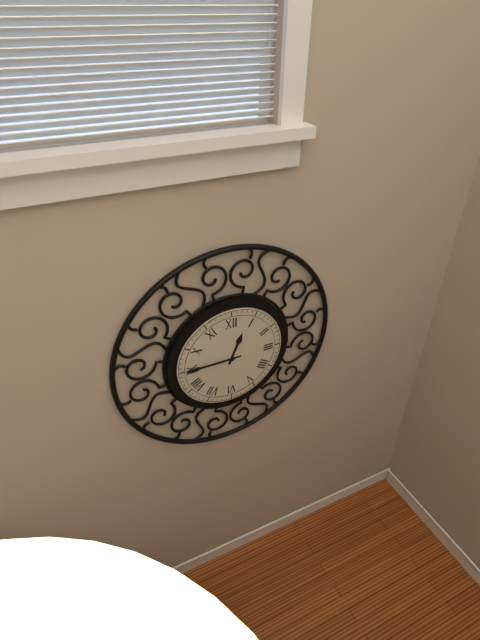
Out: {"hour": 12, "minute": 45}
